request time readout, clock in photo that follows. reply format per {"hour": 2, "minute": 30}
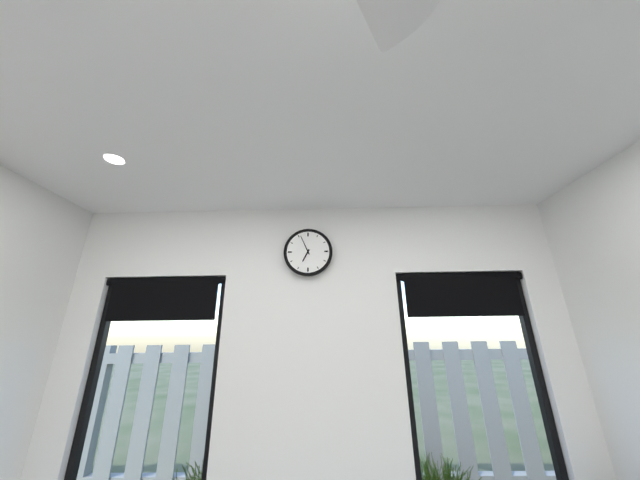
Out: {"hour": 6, "minute": 56}
